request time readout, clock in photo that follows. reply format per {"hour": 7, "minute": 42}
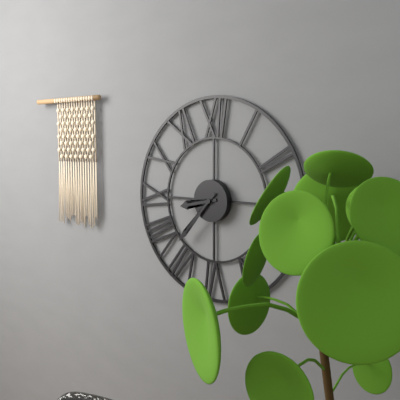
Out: {"hour": 8, "minute": 37}
